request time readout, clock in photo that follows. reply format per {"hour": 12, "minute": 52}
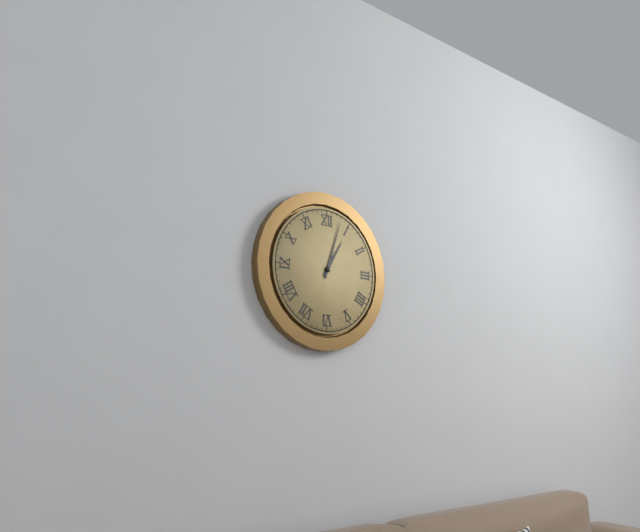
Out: {"hour": 1, "minute": 3}
